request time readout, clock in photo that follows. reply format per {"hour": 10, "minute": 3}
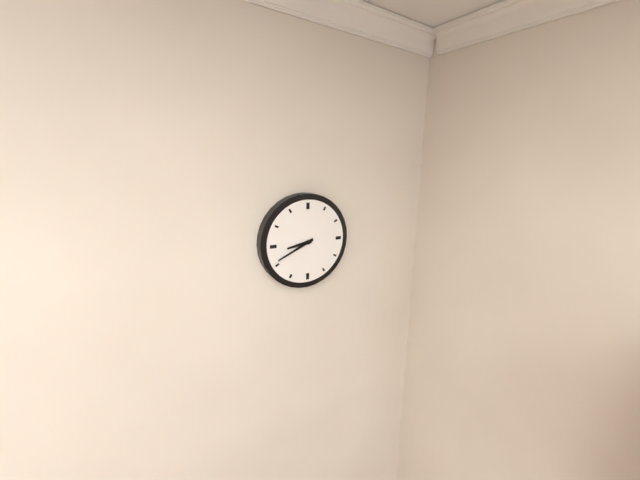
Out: {"hour": 8, "minute": 41}
